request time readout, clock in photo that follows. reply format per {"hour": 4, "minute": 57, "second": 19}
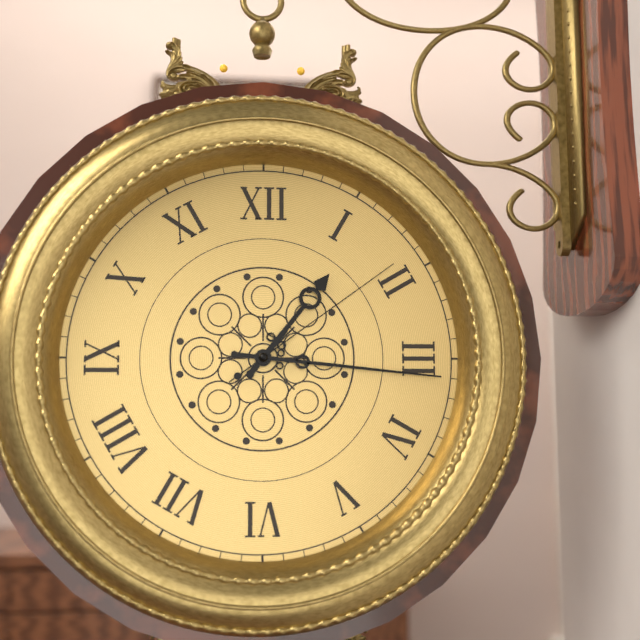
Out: {"hour": 1, "minute": 16, "second": 9}
